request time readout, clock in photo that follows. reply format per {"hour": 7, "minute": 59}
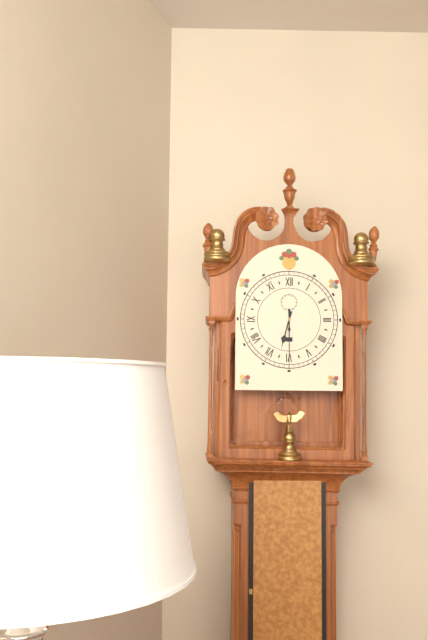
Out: {"hour": 6, "minute": 30}
